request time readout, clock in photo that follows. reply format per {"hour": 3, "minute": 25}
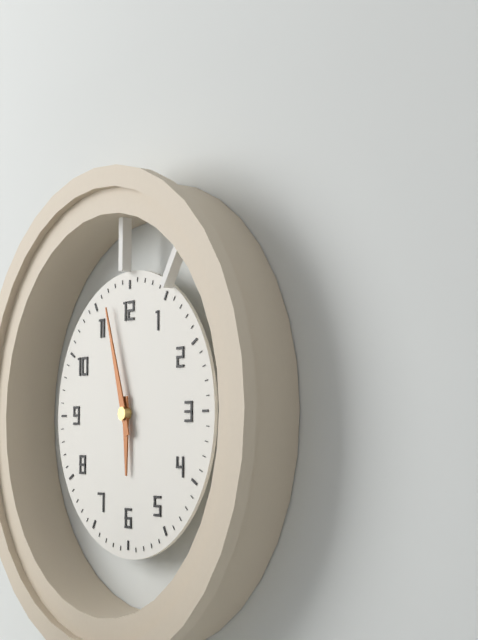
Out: {"hour": 5, "minute": 57}
